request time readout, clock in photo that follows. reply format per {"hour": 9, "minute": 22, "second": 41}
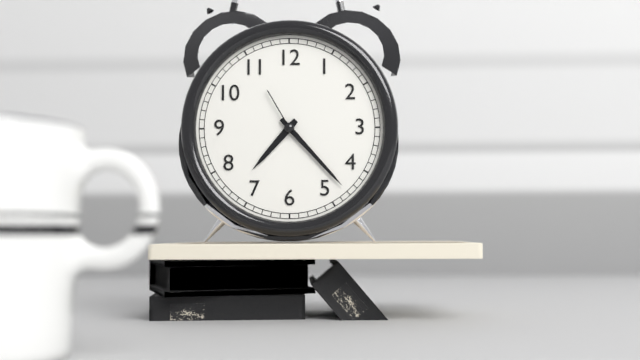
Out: {"hour": 7, "minute": 23, "second": 55}
